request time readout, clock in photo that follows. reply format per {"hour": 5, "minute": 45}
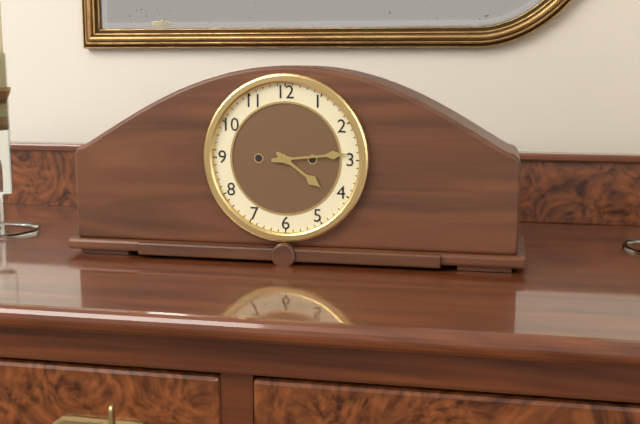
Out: {"hour": 4, "minute": 14}
